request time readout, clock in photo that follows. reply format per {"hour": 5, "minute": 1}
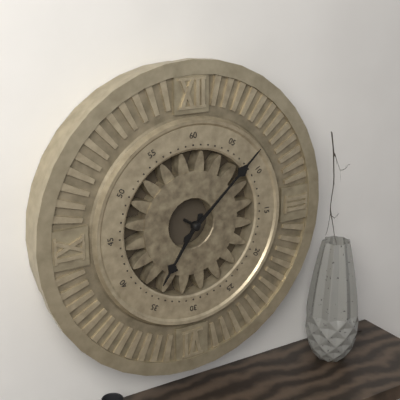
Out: {"hour": 7, "minute": 8}
